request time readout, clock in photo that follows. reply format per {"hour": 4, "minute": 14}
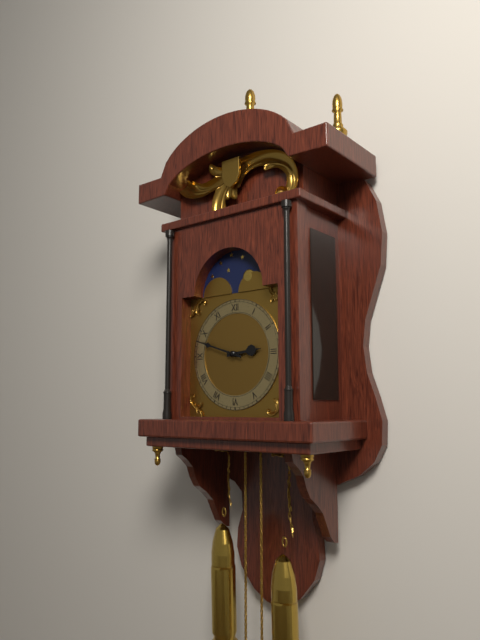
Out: {"hour": 2, "minute": 48}
